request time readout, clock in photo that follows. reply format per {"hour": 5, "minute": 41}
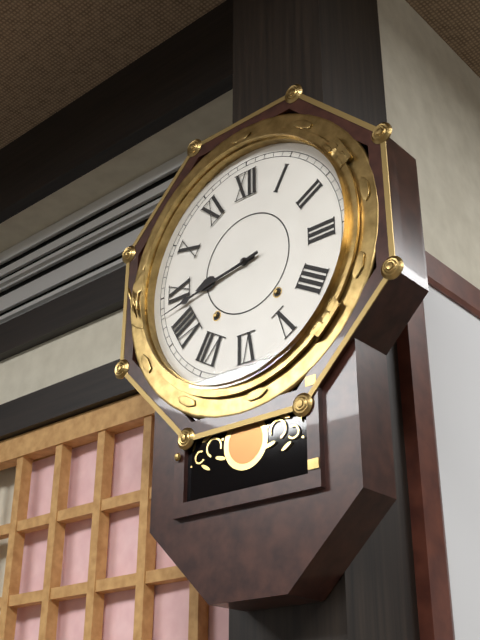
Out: {"hour": 8, "minute": 43}
